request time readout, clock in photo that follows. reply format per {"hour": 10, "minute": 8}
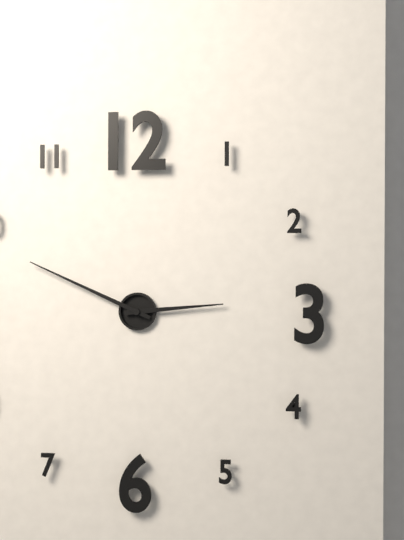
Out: {"hour": 2, "minute": 49}
